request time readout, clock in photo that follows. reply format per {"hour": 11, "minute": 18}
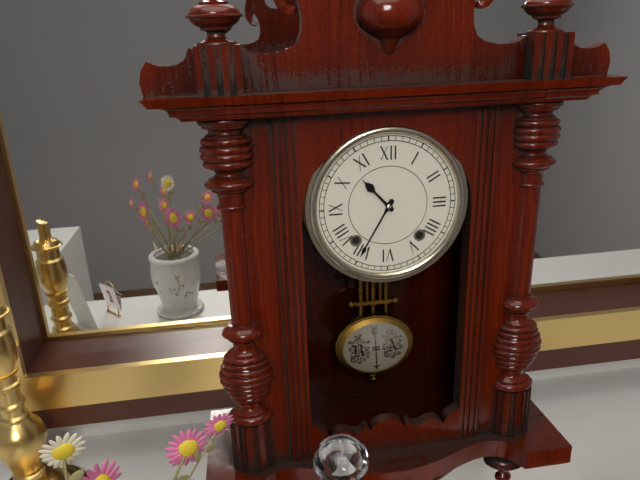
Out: {"hour": 10, "minute": 35}
